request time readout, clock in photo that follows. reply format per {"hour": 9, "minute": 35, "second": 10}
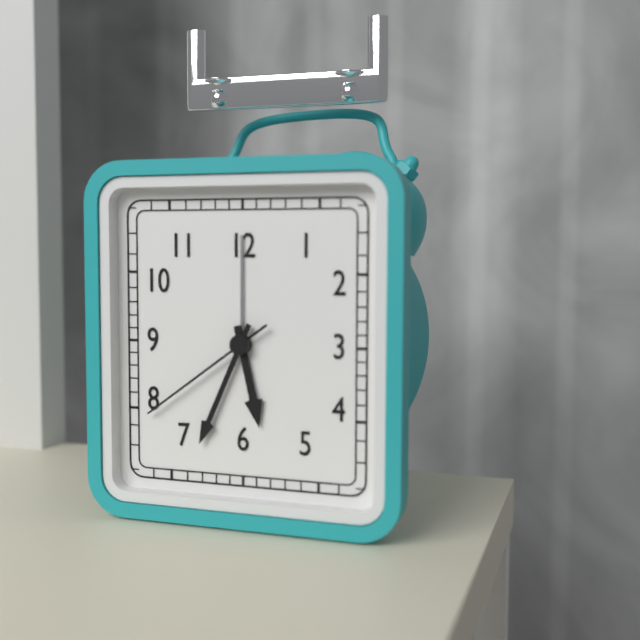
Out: {"hour": 5, "minute": 34, "second": 39}
